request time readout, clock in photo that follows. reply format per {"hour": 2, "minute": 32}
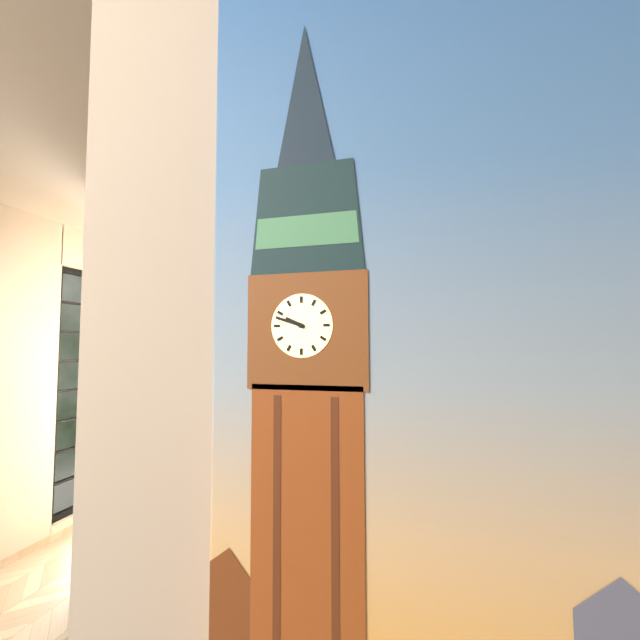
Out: {"hour": 9, "minute": 48}
